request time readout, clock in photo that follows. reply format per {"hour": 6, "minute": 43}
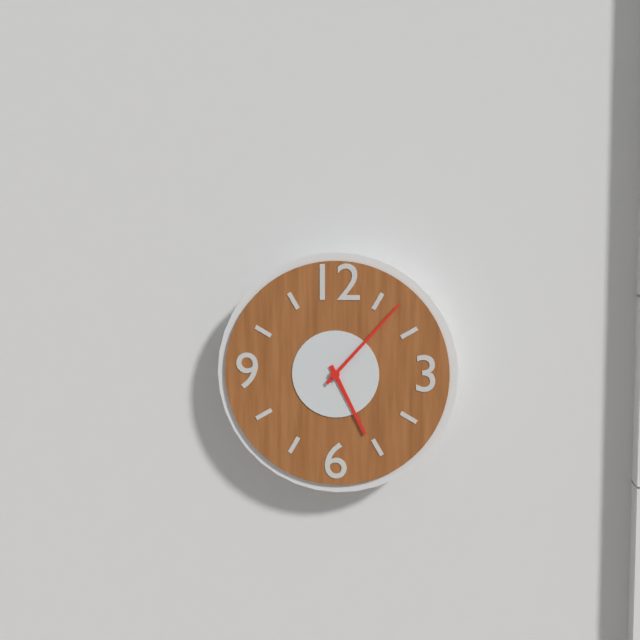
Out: {"hour": 5, "minute": 7}
